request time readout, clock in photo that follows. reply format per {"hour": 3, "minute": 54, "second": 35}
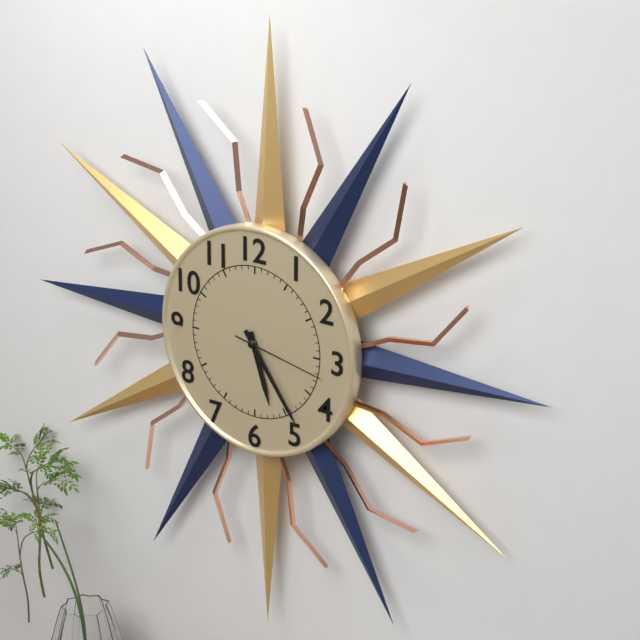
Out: {"hour": 5, "minute": 24, "second": 17}
